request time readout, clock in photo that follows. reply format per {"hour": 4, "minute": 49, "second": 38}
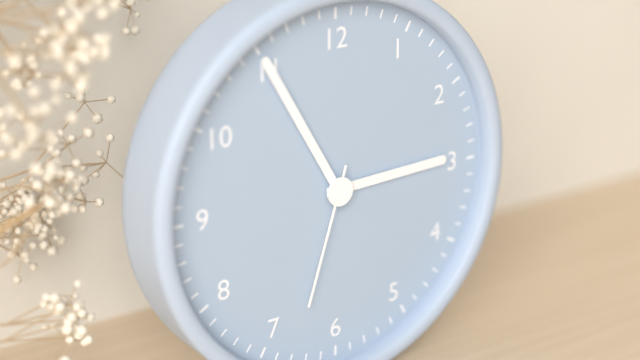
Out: {"hour": 2, "minute": 55, "second": 33}
